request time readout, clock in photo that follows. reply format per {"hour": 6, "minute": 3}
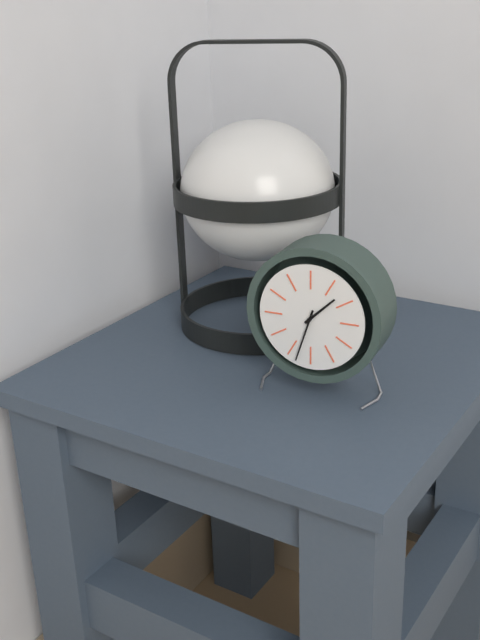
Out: {"hour": 1, "minute": 33}
